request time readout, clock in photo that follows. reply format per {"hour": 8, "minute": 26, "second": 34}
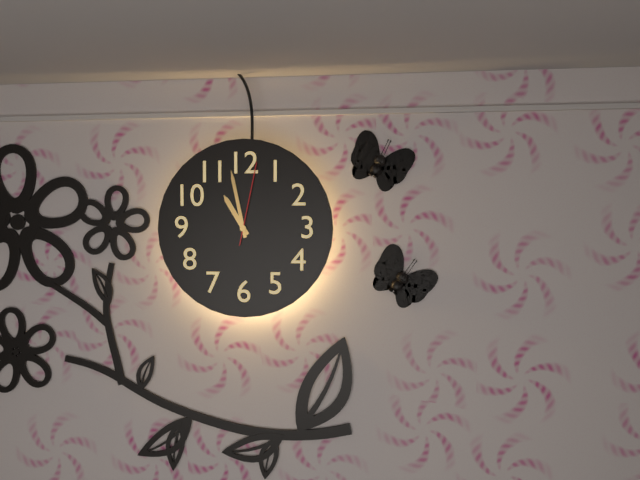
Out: {"hour": 10, "minute": 58, "second": 2}
